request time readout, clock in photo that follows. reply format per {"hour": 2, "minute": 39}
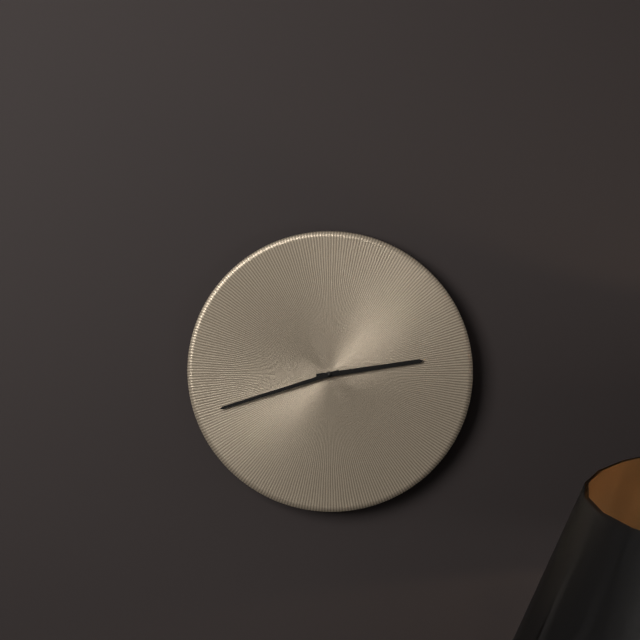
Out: {"hour": 2, "minute": 42}
